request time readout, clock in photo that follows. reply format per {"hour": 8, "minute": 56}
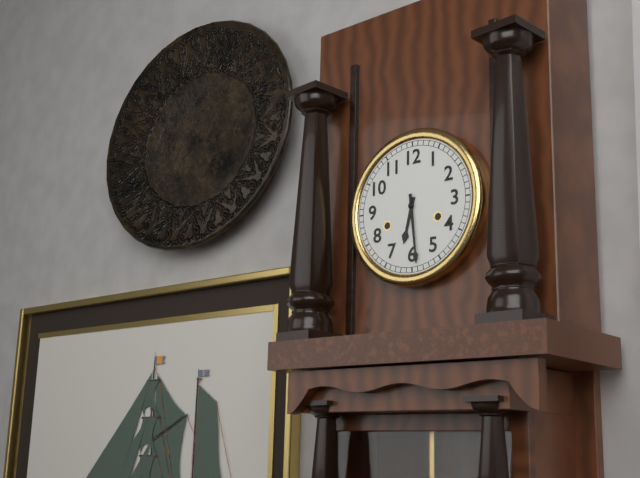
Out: {"hour": 6, "minute": 29}
